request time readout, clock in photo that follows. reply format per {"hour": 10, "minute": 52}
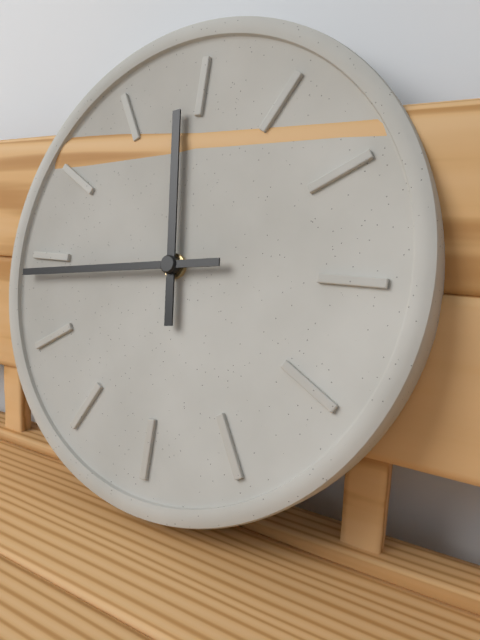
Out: {"hour": 11, "minute": 44}
